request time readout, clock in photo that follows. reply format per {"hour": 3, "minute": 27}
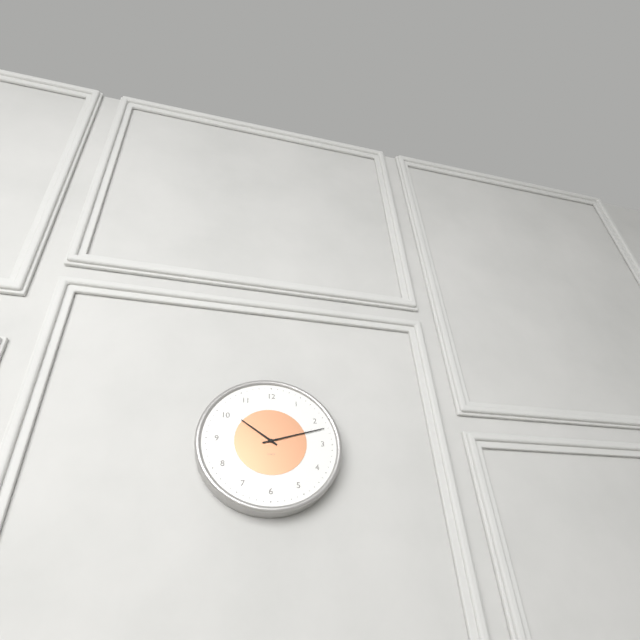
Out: {"hour": 10, "minute": 12}
